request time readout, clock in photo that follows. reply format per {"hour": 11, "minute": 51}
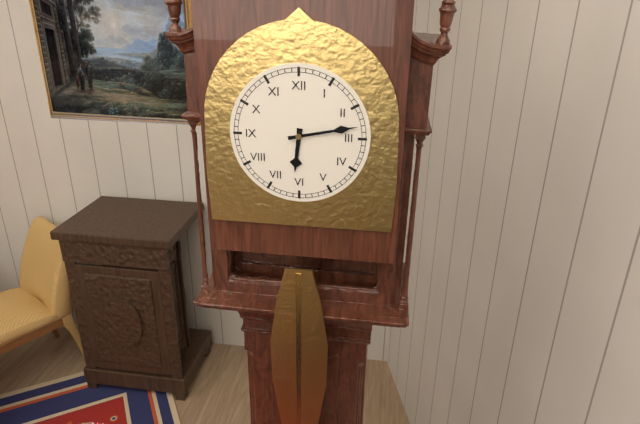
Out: {"hour": 6, "minute": 13}
